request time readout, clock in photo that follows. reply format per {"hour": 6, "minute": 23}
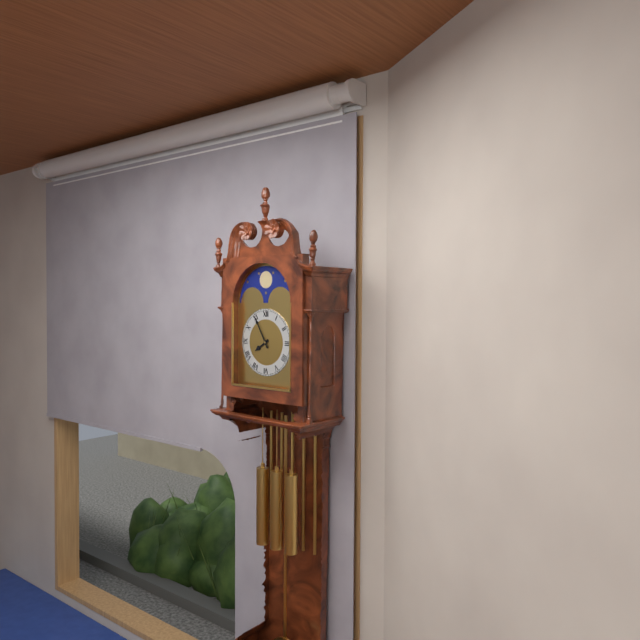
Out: {"hour": 7, "minute": 55}
